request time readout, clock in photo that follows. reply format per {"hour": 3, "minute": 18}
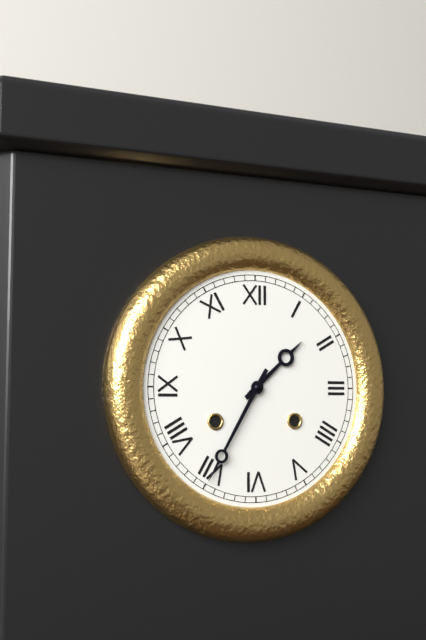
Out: {"hour": 1, "minute": 35}
